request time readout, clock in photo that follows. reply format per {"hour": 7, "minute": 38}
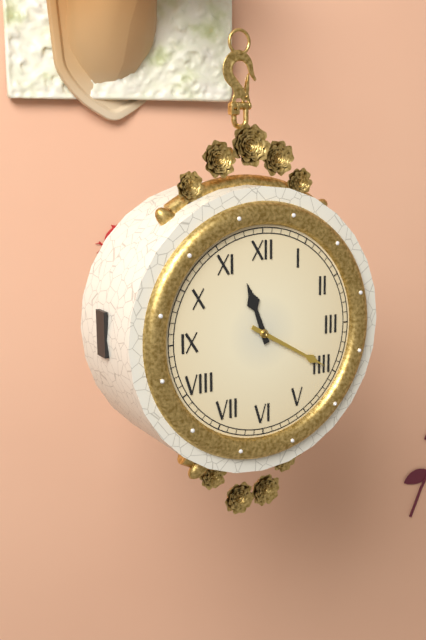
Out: {"hour": 11, "minute": 20}
